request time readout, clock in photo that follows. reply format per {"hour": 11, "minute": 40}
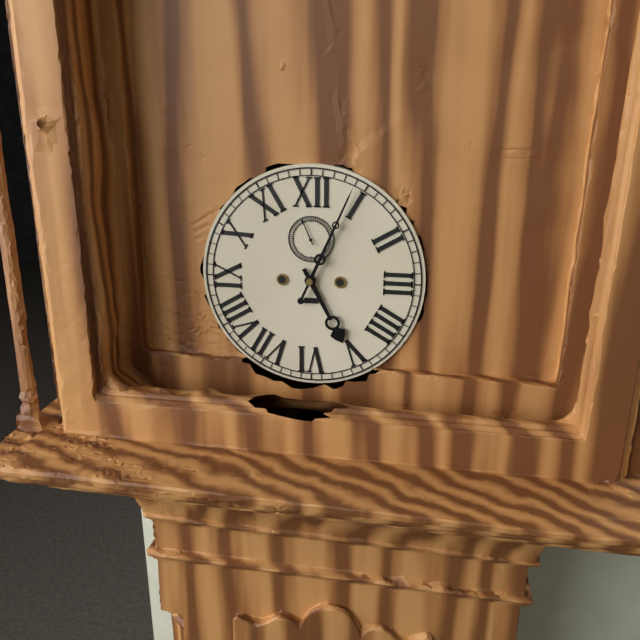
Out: {"hour": 5, "minute": 4}
